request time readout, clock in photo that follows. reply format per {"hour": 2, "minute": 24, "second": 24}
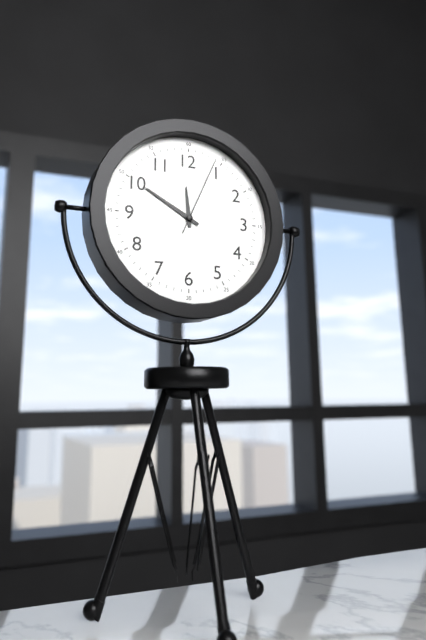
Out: {"hour": 11, "minute": 50, "second": 4}
